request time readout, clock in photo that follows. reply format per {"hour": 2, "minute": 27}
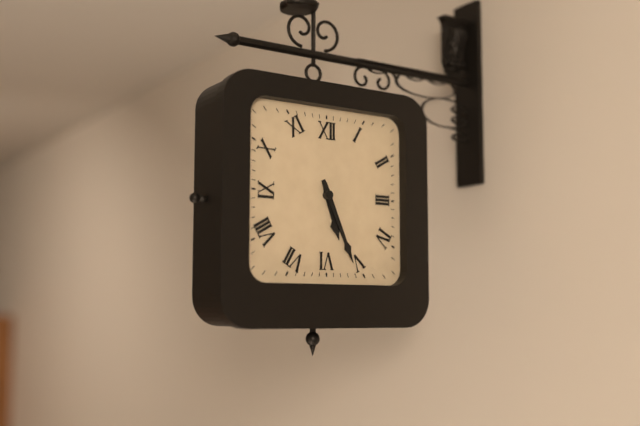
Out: {"hour": 5, "minute": 26}
